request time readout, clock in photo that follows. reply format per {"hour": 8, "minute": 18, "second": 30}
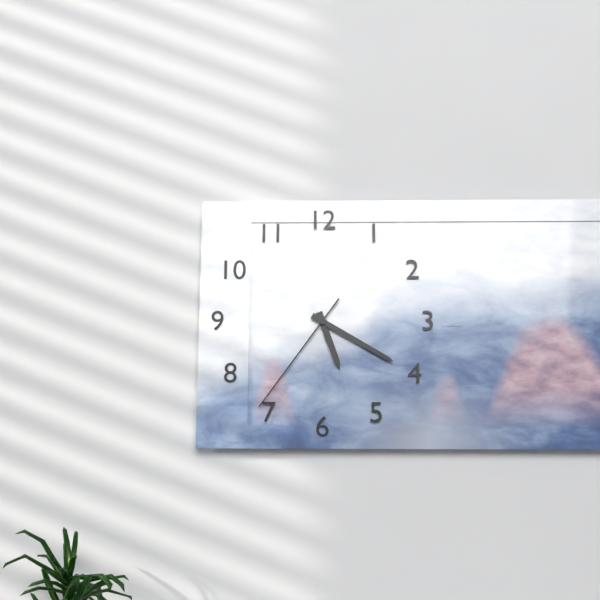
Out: {"hour": 5, "minute": 20, "second": 36}
